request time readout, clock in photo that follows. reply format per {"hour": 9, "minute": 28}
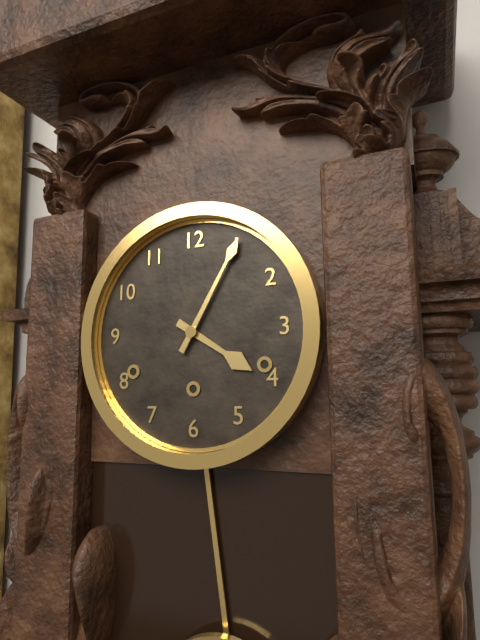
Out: {"hour": 4, "minute": 5}
